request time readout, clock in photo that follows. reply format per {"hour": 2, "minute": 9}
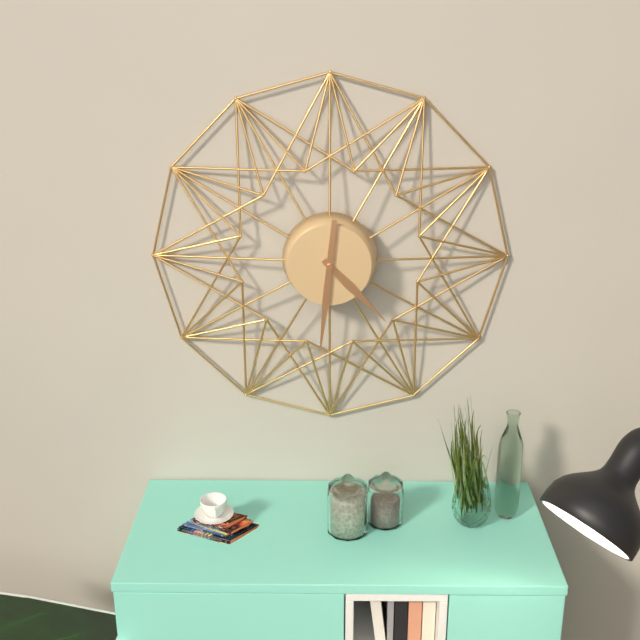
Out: {"hour": 4, "minute": 31}
